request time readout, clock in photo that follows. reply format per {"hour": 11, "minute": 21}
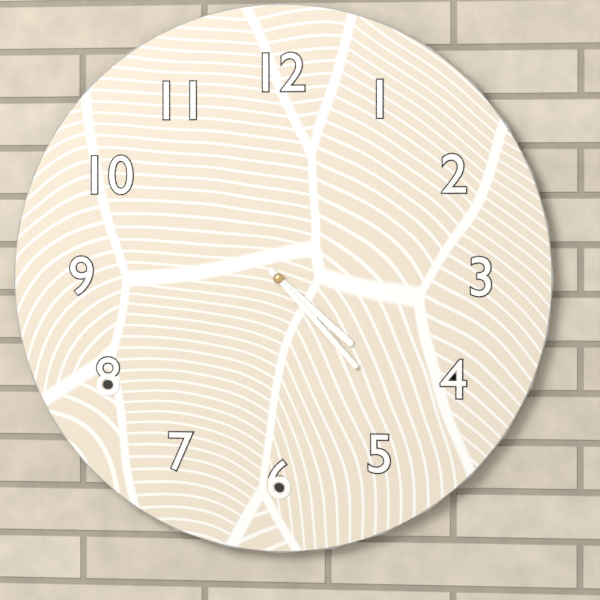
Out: {"hour": 4, "minute": 23}
